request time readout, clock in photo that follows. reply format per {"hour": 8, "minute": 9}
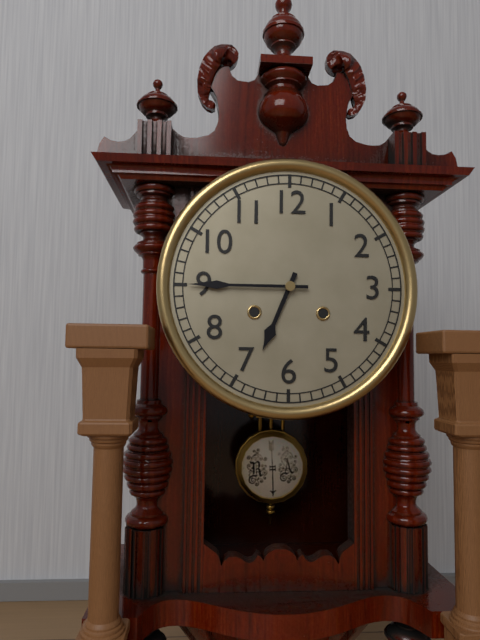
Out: {"hour": 6, "minute": 45}
